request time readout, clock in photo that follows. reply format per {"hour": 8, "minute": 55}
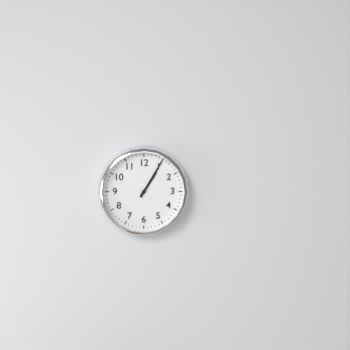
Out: {"hour": 1, "minute": 5}
